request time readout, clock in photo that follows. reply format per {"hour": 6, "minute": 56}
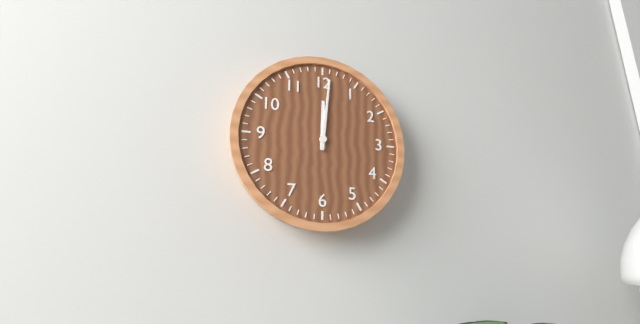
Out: {"hour": 12, "minute": 1}
